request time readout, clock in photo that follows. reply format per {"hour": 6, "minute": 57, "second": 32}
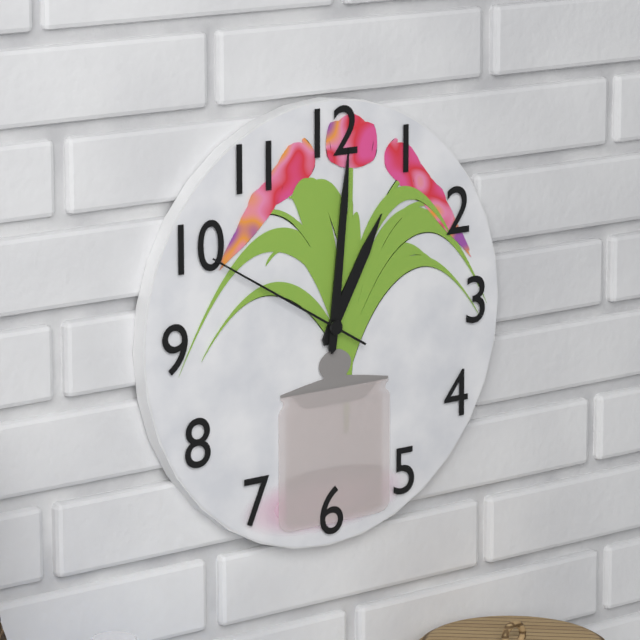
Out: {"hour": 1, "minute": 1, "second": 50}
